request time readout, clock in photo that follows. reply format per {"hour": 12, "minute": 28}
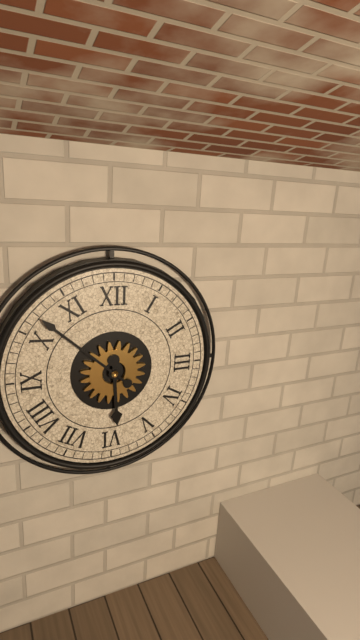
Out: {"hour": 5, "minute": 52}
